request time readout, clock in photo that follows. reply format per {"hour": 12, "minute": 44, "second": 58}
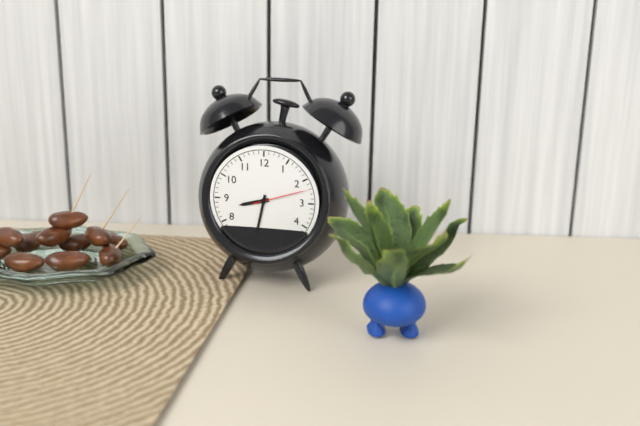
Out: {"hour": 8, "minute": 32, "second": 12}
